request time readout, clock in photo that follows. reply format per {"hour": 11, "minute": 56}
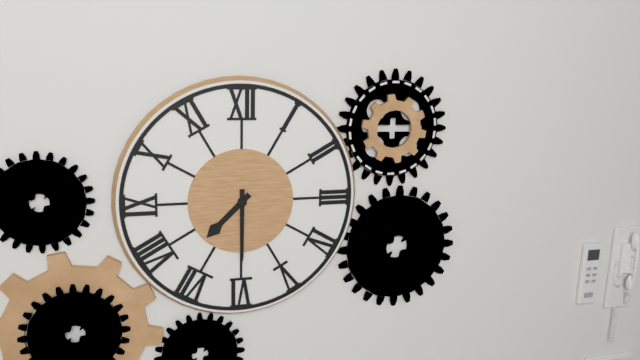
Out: {"hour": 7, "minute": 30}
